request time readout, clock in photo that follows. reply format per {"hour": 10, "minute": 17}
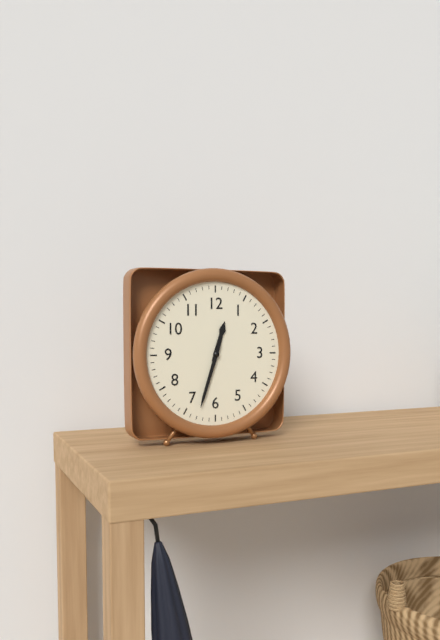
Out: {"hour": 12, "minute": 33}
